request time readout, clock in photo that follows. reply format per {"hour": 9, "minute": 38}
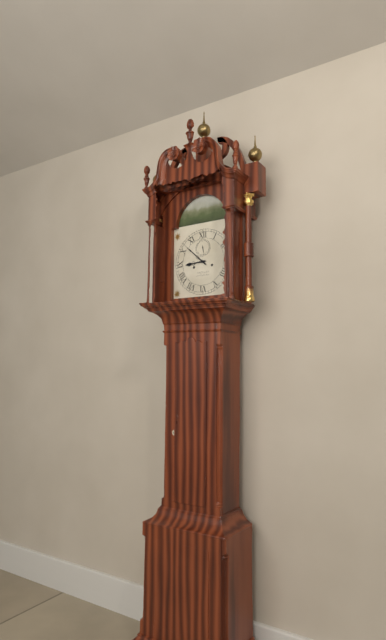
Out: {"hour": 8, "minute": 52}
